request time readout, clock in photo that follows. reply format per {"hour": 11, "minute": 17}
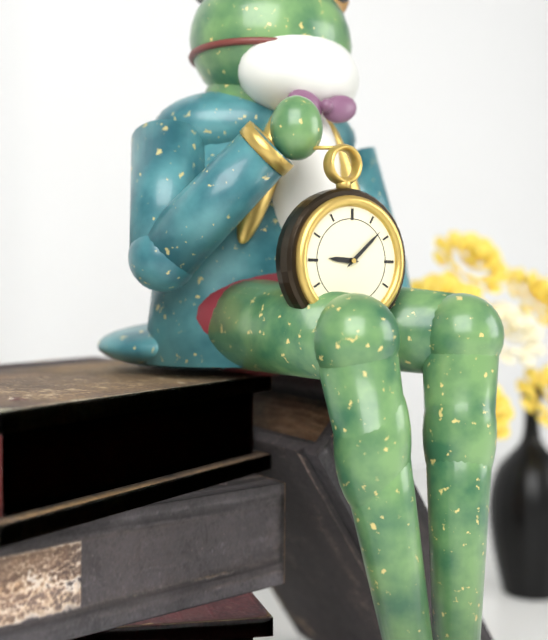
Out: {"hour": 9, "minute": 8}
